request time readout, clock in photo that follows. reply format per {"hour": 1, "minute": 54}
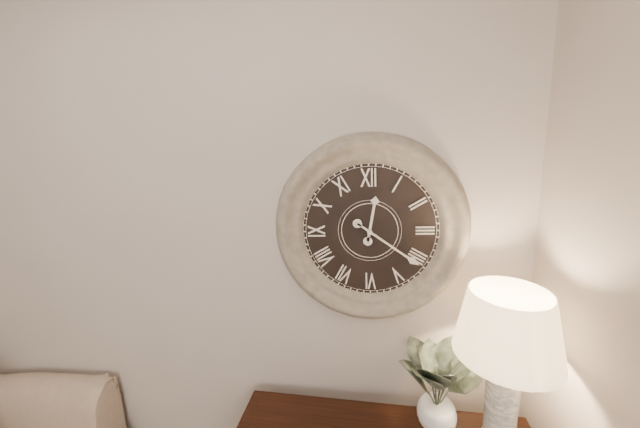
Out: {"hour": 12, "minute": 21}
